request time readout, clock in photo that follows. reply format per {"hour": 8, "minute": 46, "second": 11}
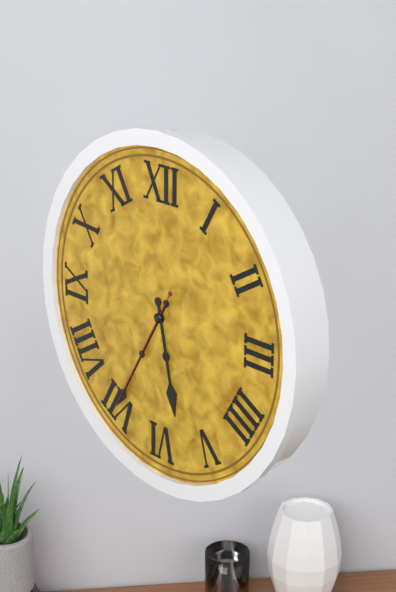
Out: {"hour": 5, "minute": 35, "second": 35}
